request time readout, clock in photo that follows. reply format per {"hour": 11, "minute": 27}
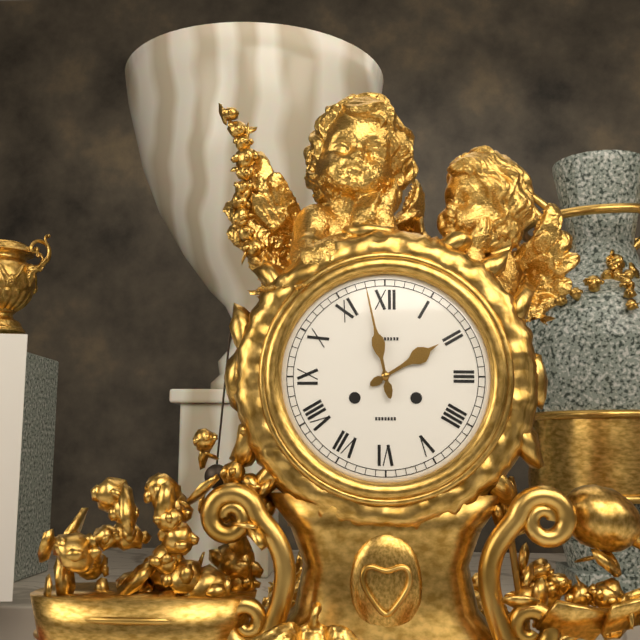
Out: {"hour": 1, "minute": 58}
